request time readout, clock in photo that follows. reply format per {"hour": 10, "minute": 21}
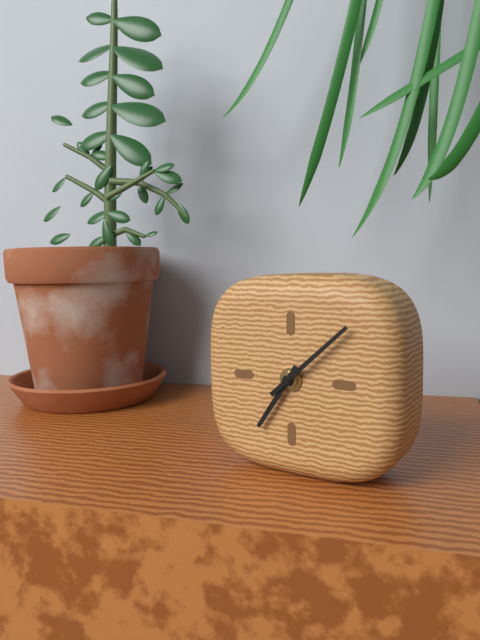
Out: {"hour": 7, "minute": 8}
